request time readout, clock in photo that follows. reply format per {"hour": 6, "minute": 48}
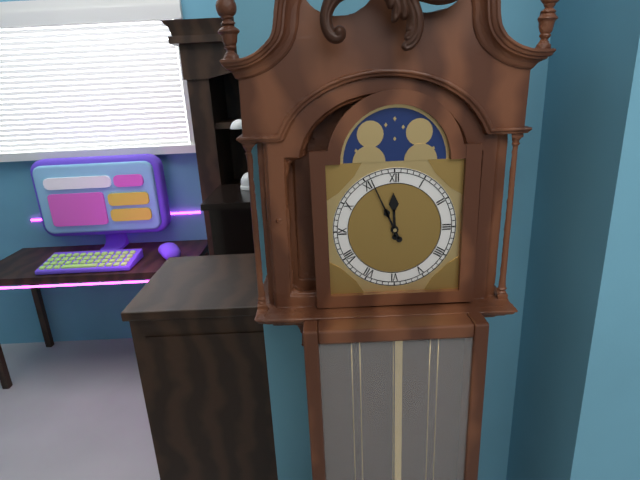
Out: {"hour": 11, "minute": 56}
